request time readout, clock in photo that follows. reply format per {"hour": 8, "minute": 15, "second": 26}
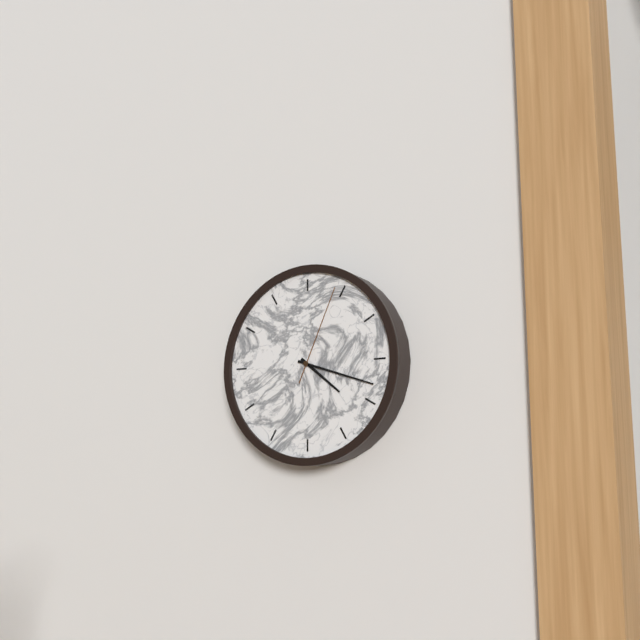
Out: {"hour": 4, "minute": 18, "second": 4}
